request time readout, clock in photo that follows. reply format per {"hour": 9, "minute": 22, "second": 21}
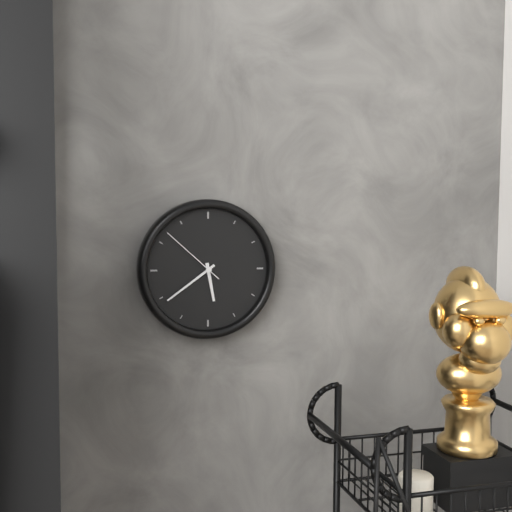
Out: {"hour": 5, "minute": 39, "second": 52}
